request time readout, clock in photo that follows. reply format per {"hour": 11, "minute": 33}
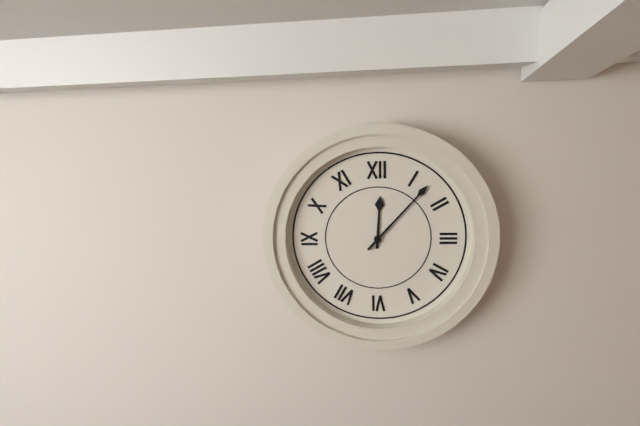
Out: {"hour": 12, "minute": 7}
